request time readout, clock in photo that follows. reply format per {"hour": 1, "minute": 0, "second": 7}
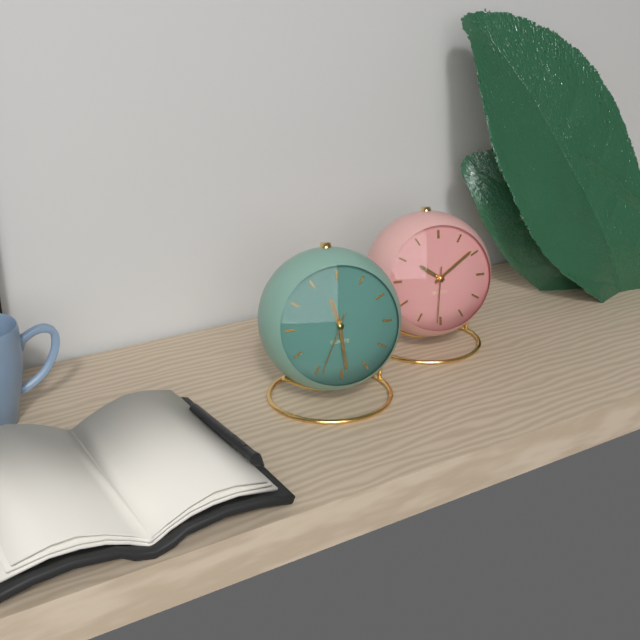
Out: {"hour": 11, "minute": 29, "second": 34}
